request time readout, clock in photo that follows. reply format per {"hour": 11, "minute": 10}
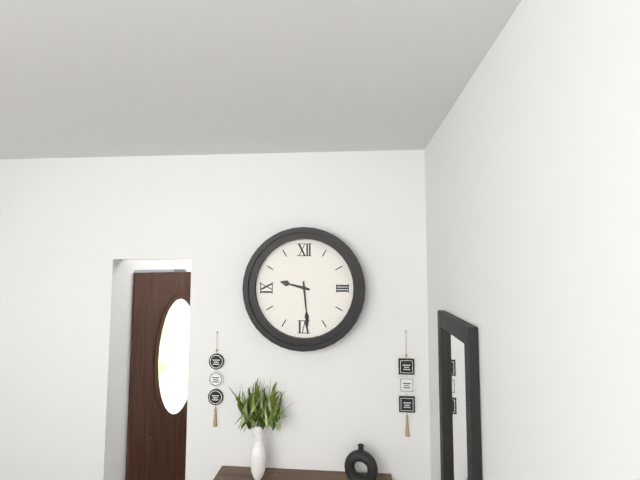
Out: {"hour": 9, "minute": 29}
